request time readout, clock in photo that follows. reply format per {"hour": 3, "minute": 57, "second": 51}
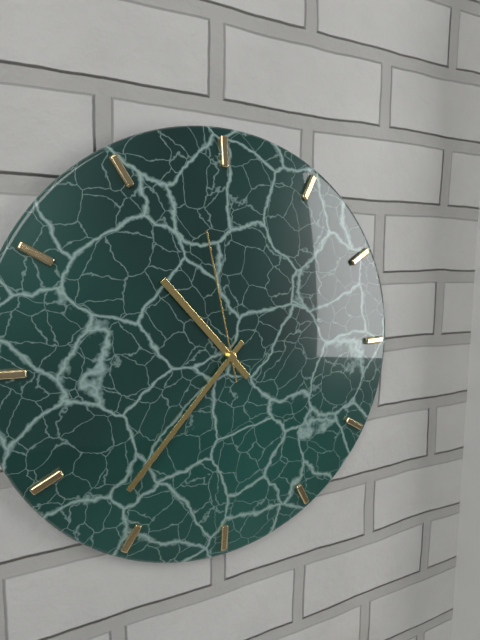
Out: {"hour": 10, "minute": 37, "second": 58}
